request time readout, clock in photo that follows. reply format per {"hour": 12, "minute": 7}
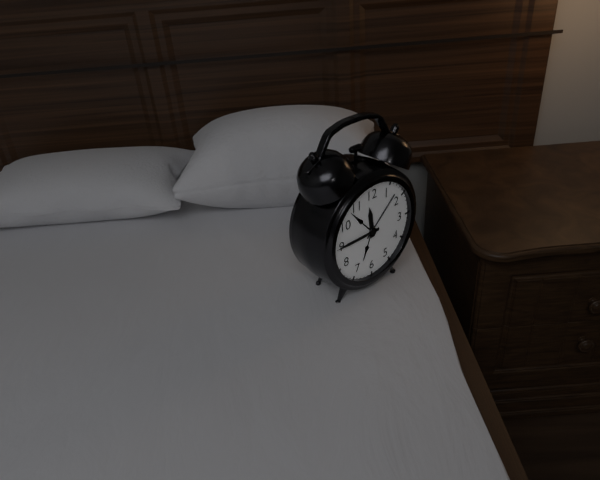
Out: {"hour": 11, "minute": 45}
